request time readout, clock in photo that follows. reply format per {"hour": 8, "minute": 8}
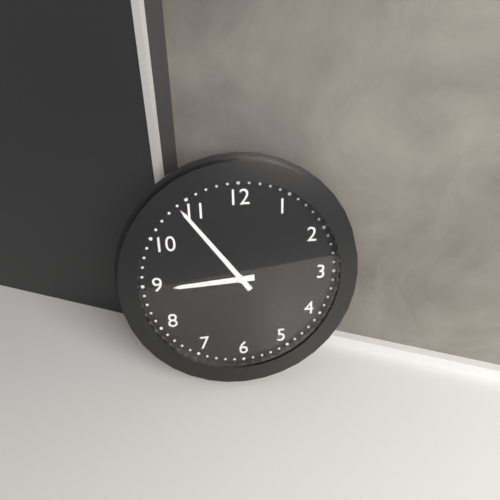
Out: {"hour": 8, "minute": 54}
